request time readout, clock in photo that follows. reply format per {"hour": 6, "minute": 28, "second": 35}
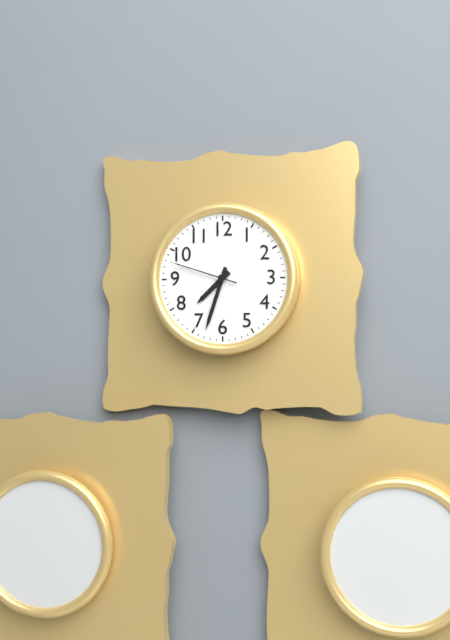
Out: {"hour": 7, "minute": 33, "second": 48}
